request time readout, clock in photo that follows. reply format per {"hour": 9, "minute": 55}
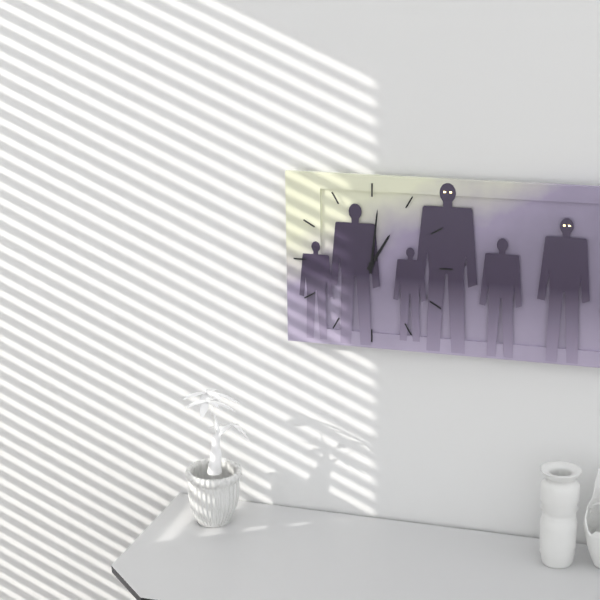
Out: {"hour": 1, "minute": 1}
